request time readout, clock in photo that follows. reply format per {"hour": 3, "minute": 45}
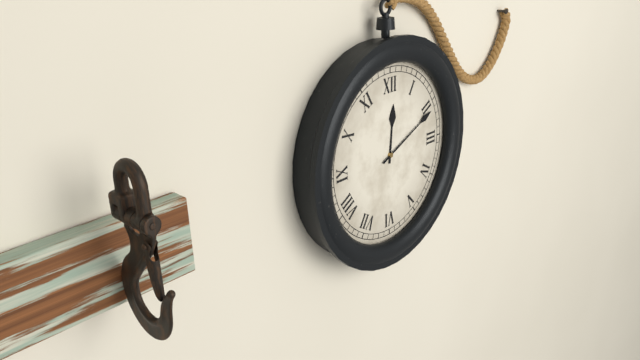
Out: {"hour": 12, "minute": 11}
